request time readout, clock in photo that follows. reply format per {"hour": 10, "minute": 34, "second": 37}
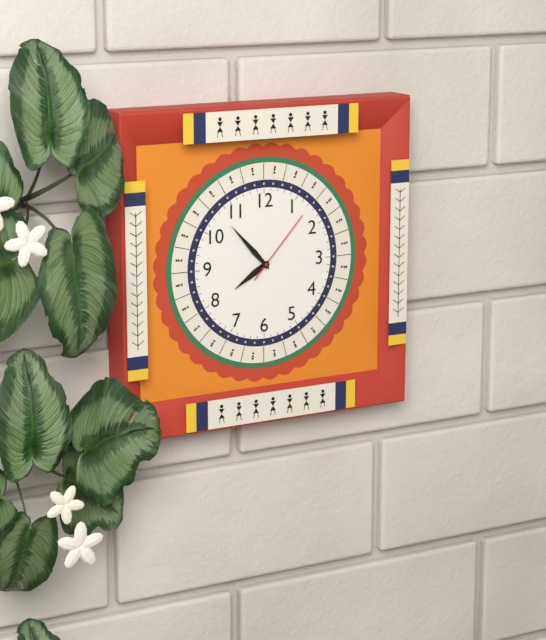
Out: {"hour": 7, "minute": 53, "second": 7}
